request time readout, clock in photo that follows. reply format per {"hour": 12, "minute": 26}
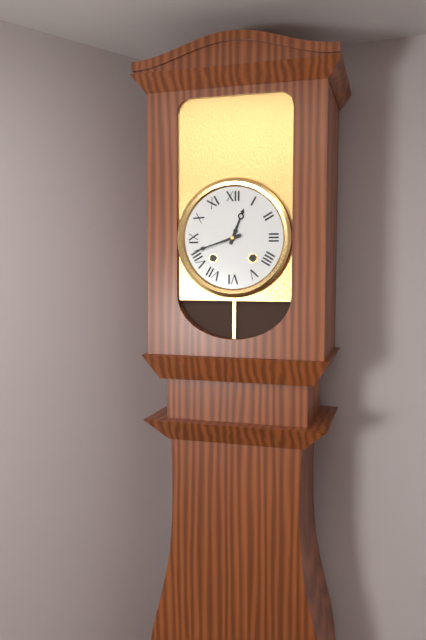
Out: {"hour": 12, "minute": 42}
